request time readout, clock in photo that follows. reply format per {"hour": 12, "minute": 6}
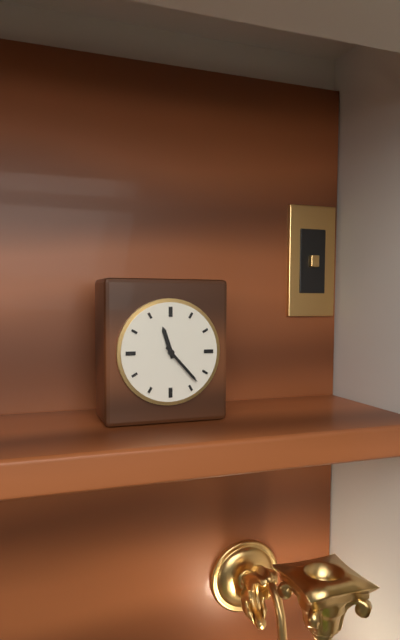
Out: {"hour": 11, "minute": 23}
